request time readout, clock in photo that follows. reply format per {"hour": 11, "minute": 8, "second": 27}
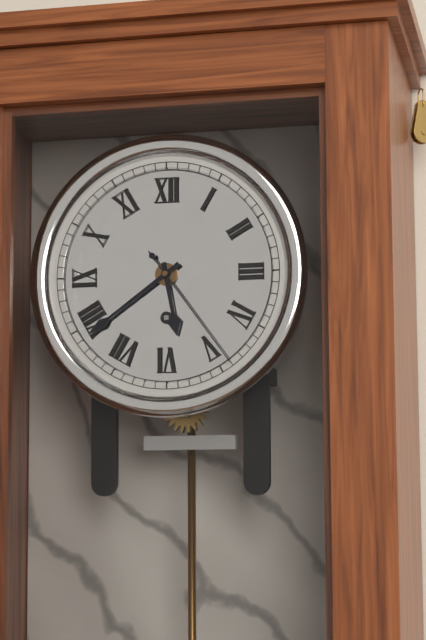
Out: {"hour": 5, "minute": 39, "second": 24}
